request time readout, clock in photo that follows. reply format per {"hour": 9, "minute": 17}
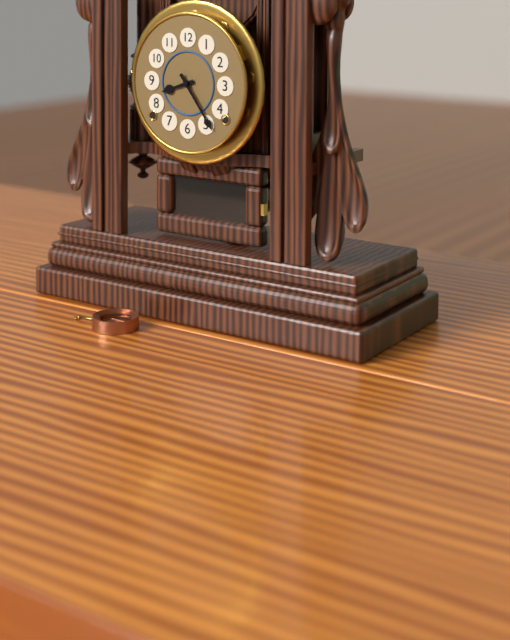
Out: {"hour": 8, "minute": 24}
